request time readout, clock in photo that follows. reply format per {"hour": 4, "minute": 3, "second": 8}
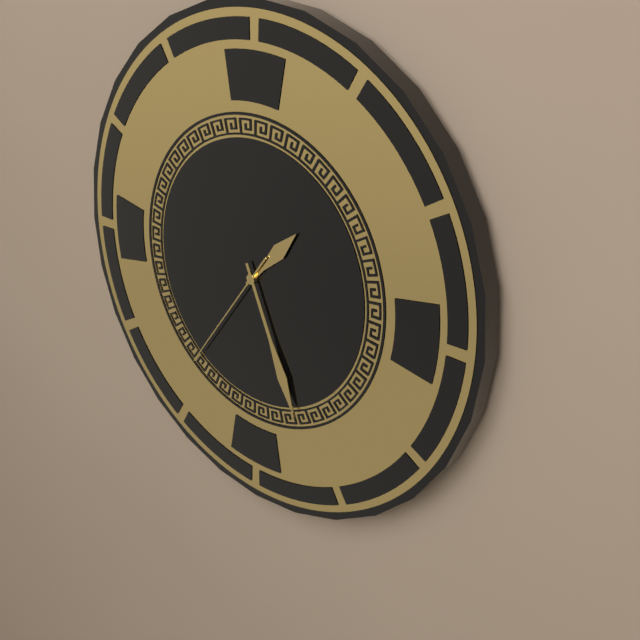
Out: {"hour": 1, "minute": 26, "second": 36}
